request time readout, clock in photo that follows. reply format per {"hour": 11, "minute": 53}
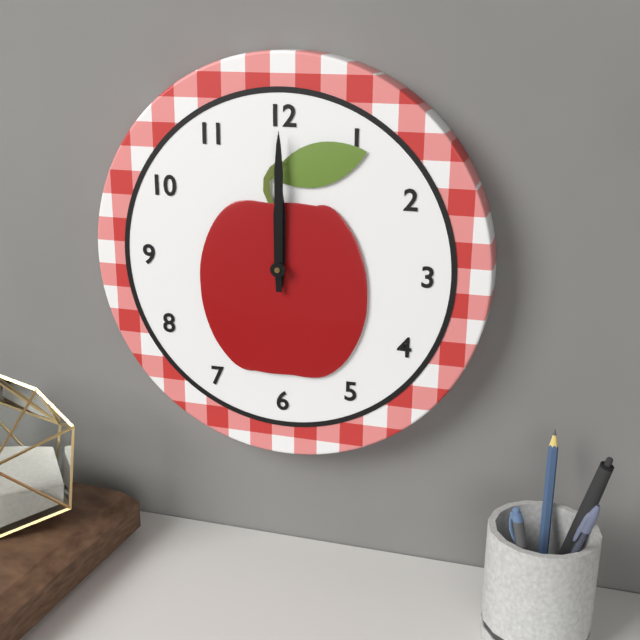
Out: {"hour": 12, "minute": 0}
